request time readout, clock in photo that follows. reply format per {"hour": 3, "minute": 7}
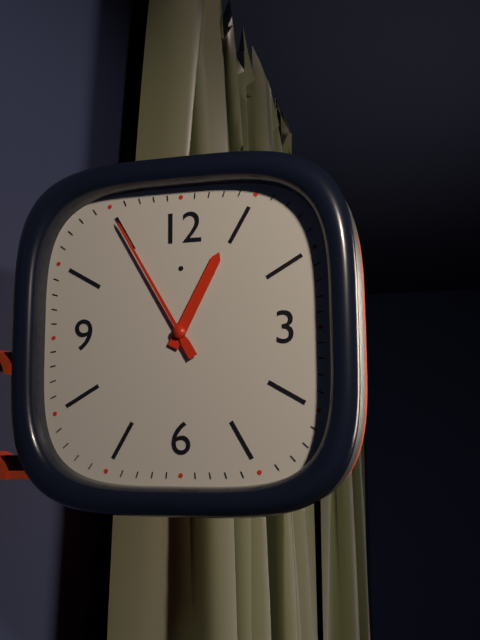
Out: {"hour": 12, "minute": 55}
